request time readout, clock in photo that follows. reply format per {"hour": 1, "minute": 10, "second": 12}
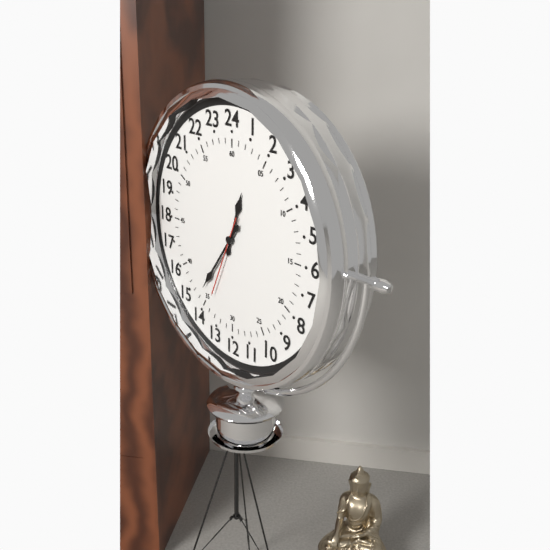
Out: {"hour": 12, "minute": 36, "second": 34}
